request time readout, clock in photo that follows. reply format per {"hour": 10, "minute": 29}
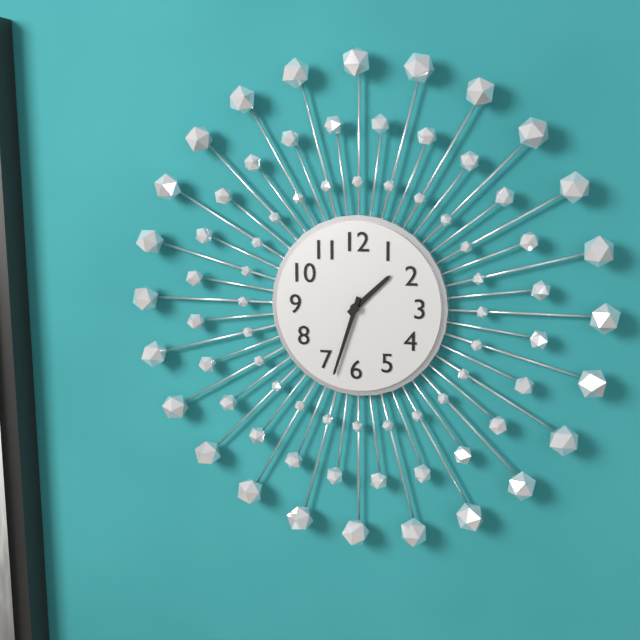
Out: {"hour": 1, "minute": 33}
